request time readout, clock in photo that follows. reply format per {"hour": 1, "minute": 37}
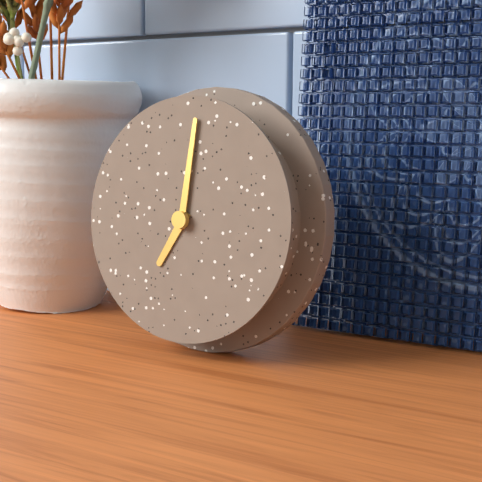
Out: {"hour": 7, "minute": 1}
